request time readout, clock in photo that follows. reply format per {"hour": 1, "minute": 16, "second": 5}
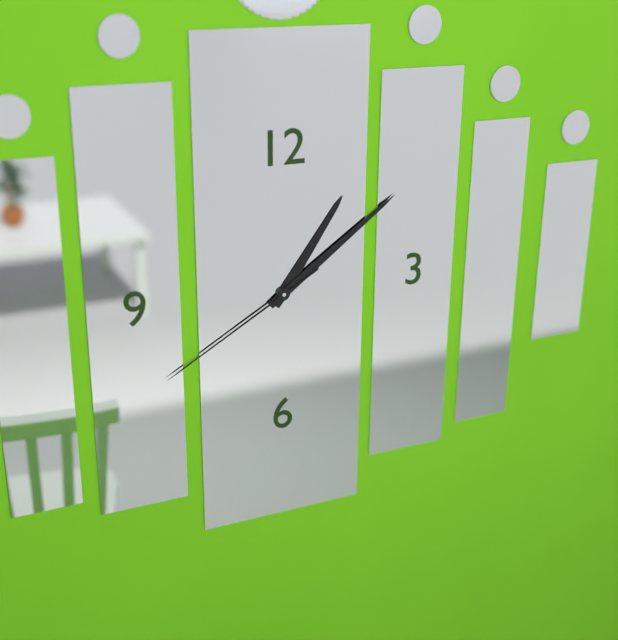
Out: {"hour": 1, "minute": 9, "second": 40}
